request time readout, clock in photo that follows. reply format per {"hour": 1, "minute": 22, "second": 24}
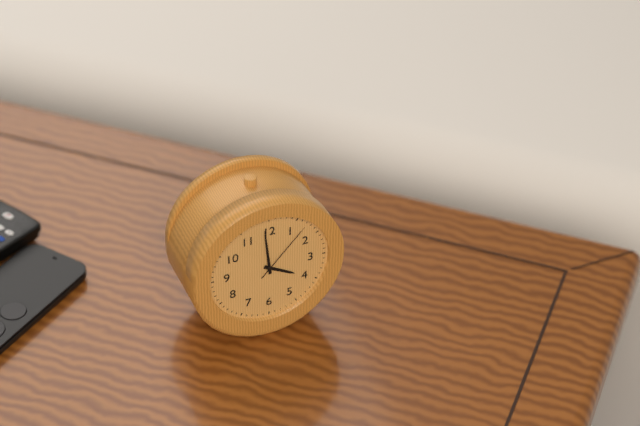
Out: {"hour": 3, "minute": 59, "second": 7}
